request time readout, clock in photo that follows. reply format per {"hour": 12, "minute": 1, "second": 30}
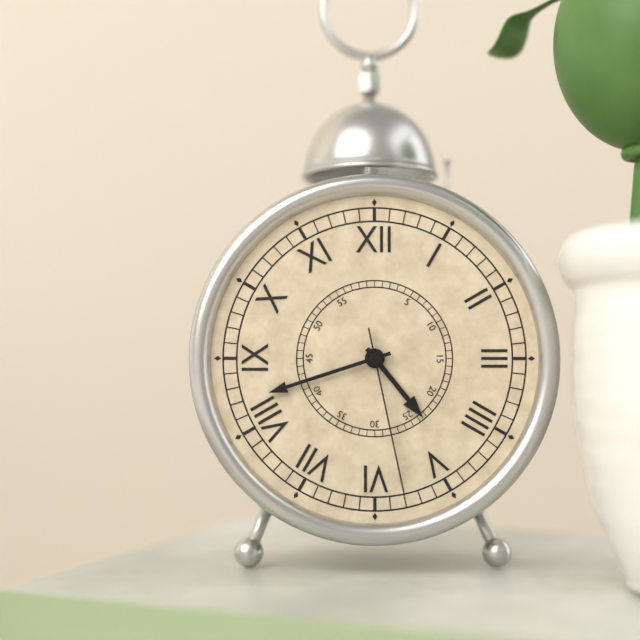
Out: {"hour": 4, "minute": 42, "second": 28}
